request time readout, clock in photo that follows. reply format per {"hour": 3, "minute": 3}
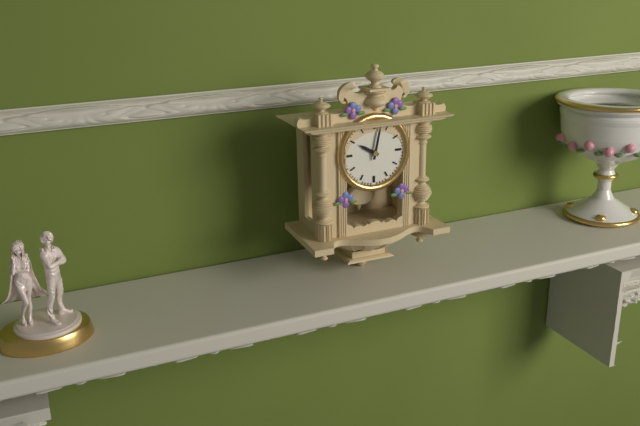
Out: {"hour": 10, "minute": 2}
